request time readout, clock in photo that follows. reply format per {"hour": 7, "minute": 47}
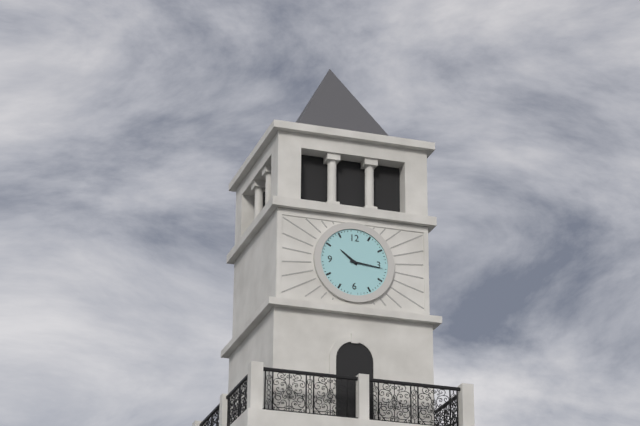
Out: {"hour": 10, "minute": 16}
